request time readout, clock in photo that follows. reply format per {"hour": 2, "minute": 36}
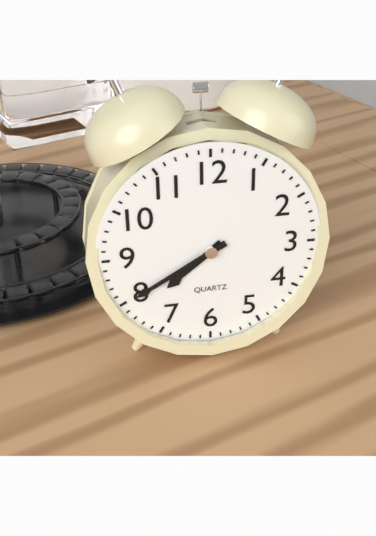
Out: {"hour": 7, "minute": 40}
